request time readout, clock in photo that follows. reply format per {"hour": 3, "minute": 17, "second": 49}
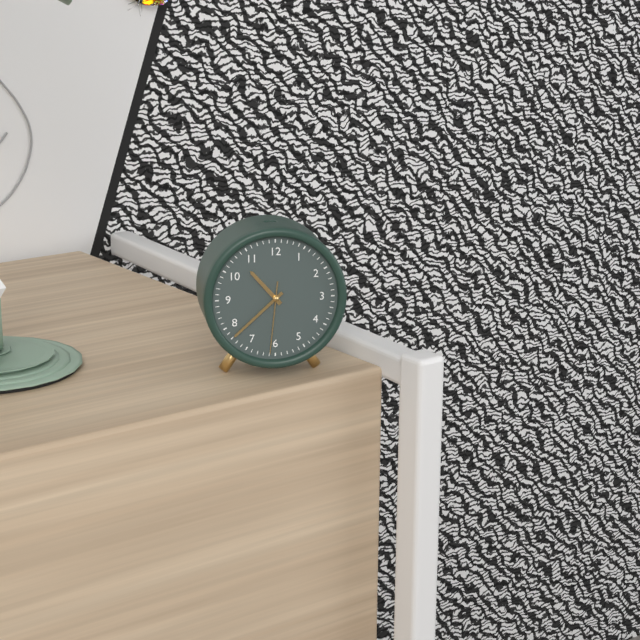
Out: {"hour": 10, "minute": 38, "second": 31}
